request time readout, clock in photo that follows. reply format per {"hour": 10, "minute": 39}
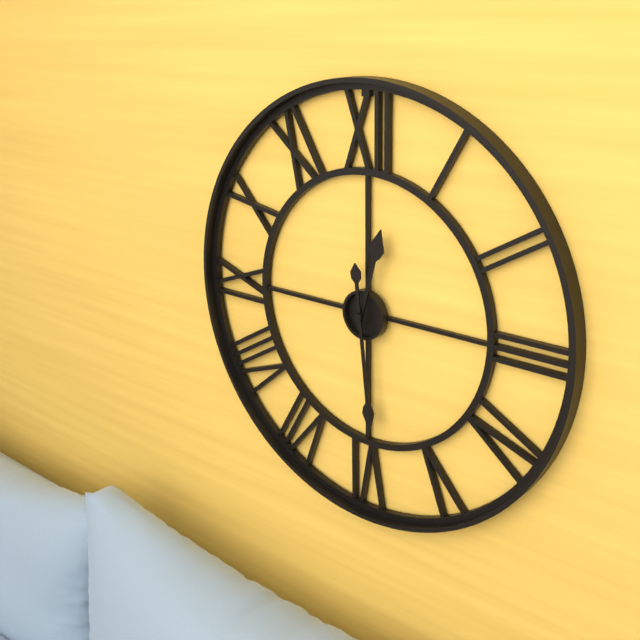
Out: {"hour": 12, "minute": 29}
